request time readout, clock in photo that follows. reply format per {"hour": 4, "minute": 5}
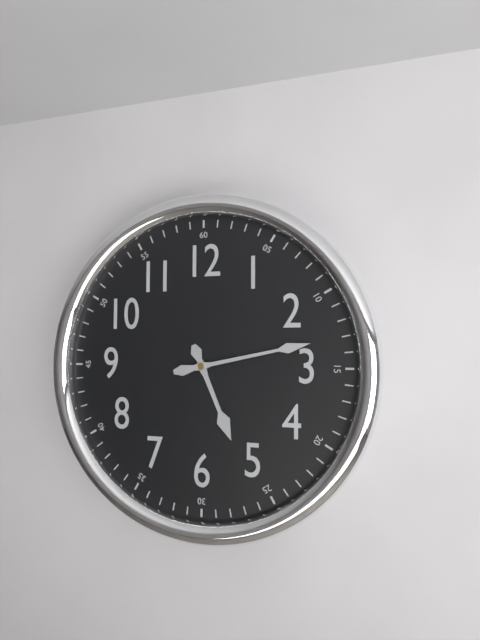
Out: {"hour": 5, "minute": 13}
